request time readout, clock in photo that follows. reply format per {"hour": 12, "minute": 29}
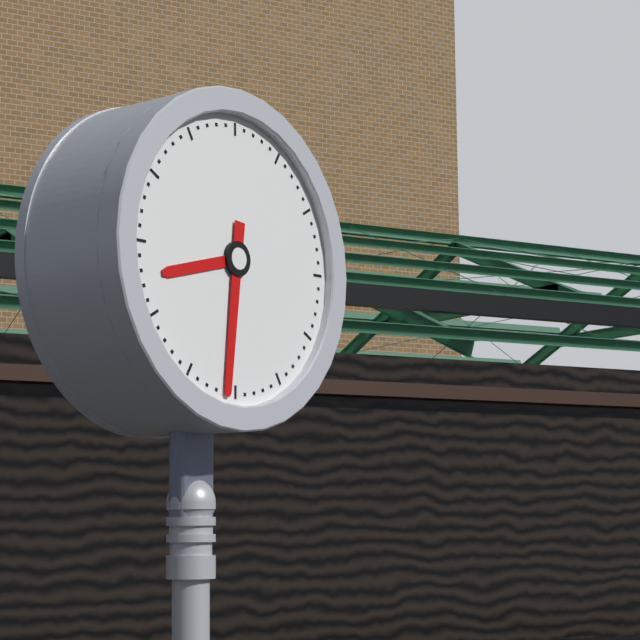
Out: {"hour": 8, "minute": 31}
